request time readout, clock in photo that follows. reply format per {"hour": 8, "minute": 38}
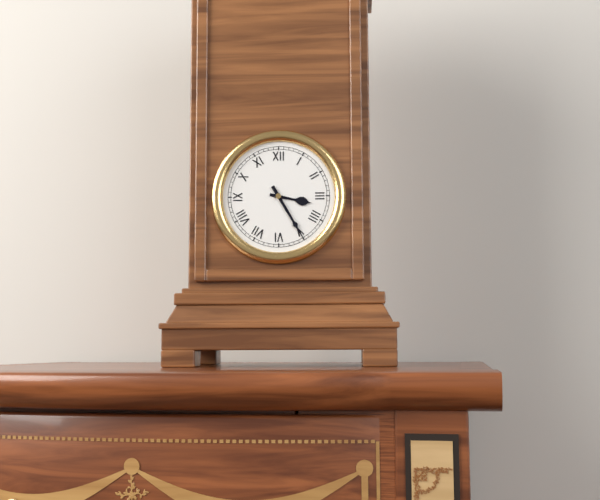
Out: {"hour": 3, "minute": 25}
